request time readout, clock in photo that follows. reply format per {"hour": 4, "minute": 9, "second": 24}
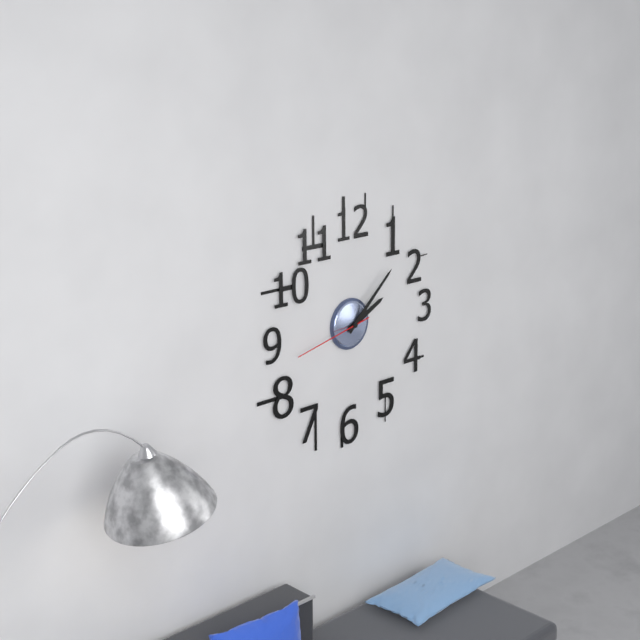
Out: {"hour": 2, "minute": 8, "second": 43}
